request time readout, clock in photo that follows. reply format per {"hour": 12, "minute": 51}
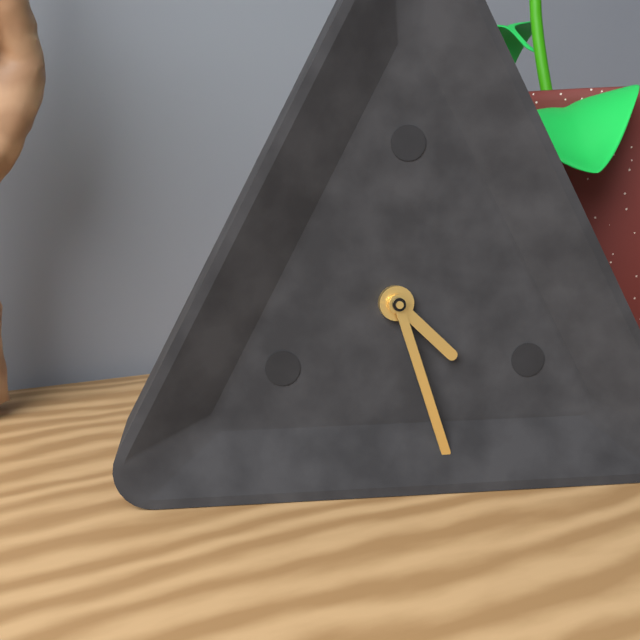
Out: {"hour": 4, "minute": 27}
